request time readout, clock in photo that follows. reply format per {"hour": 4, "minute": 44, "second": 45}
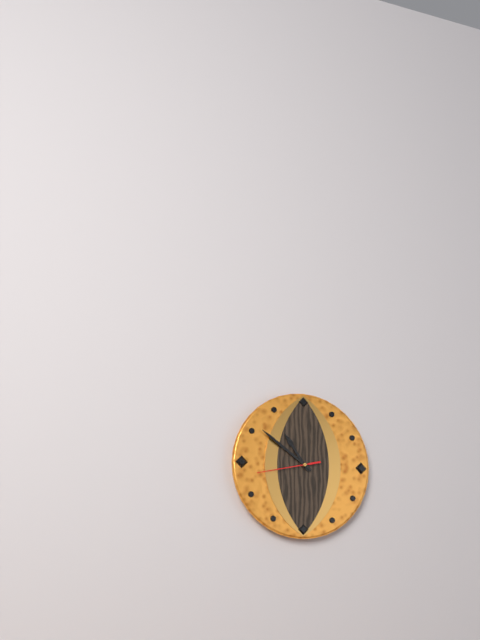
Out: {"hour": 10, "minute": 51, "second": 43}
